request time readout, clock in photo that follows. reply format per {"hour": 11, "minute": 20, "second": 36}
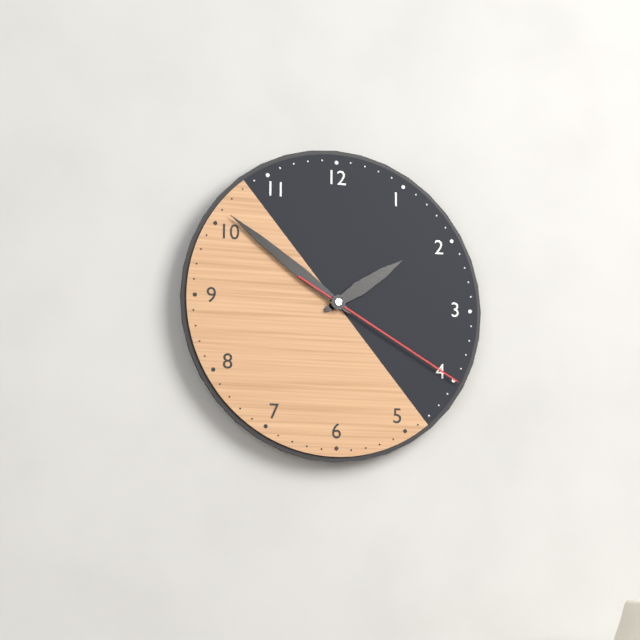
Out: {"hour": 1, "minute": 51, "second": 20}
